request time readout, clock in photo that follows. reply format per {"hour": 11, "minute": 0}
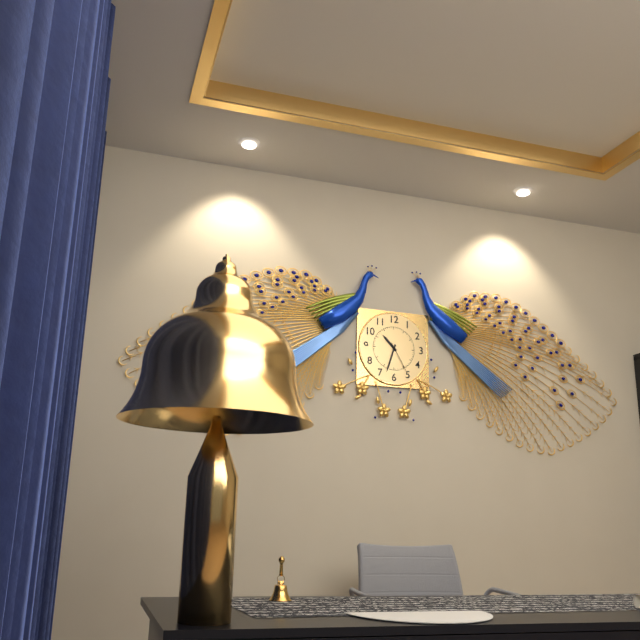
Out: {"hour": 10, "minute": 33}
